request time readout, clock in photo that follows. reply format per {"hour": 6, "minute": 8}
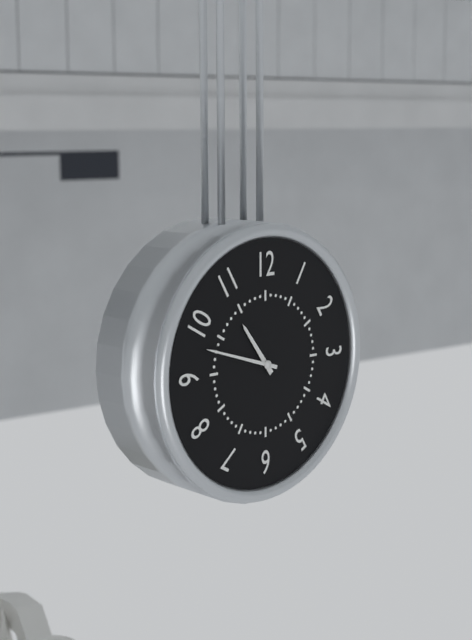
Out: {"hour": 10, "minute": 48}
